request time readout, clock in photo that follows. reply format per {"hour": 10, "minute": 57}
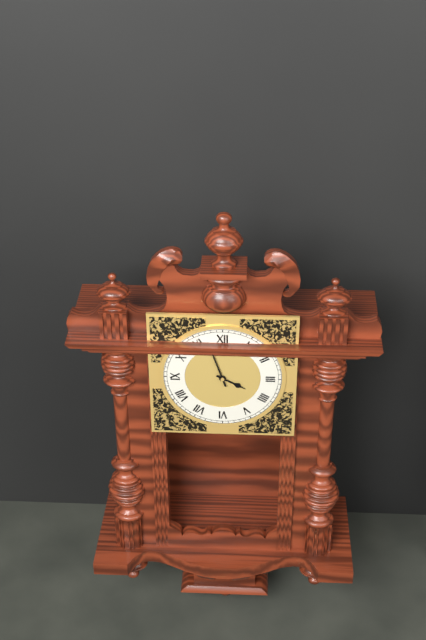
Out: {"hour": 3, "minute": 57}
